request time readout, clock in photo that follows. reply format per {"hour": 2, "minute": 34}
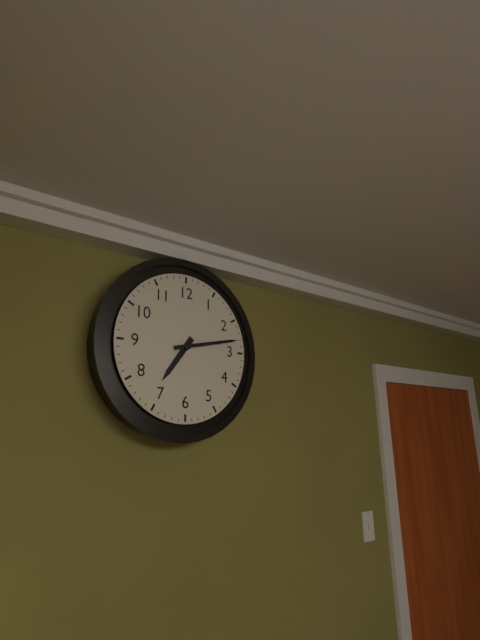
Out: {"hour": 7, "minute": 13}
